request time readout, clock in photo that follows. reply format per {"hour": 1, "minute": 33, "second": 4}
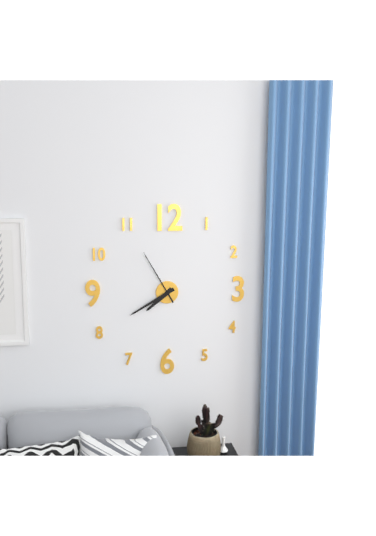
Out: {"hour": 7, "minute": 40, "second": 55}
